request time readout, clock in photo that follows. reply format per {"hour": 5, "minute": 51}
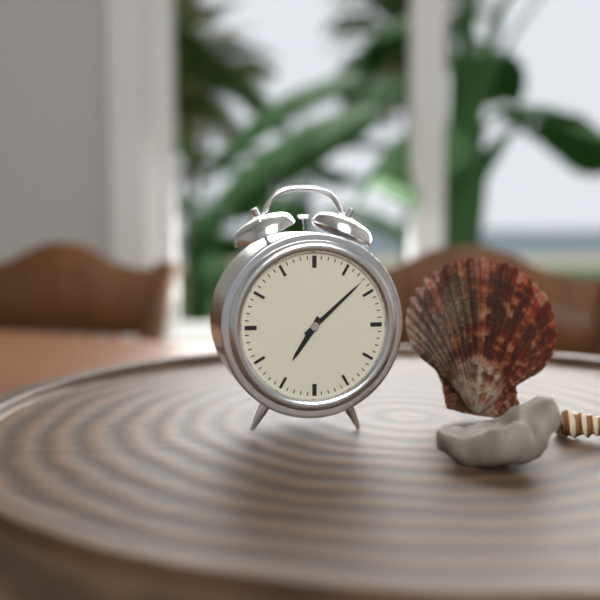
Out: {"hour": 7, "minute": 8}
